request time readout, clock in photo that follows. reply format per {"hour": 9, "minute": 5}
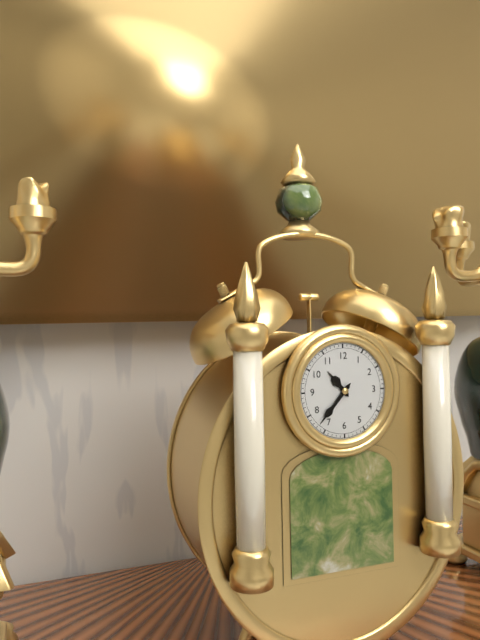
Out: {"hour": 10, "minute": 37}
